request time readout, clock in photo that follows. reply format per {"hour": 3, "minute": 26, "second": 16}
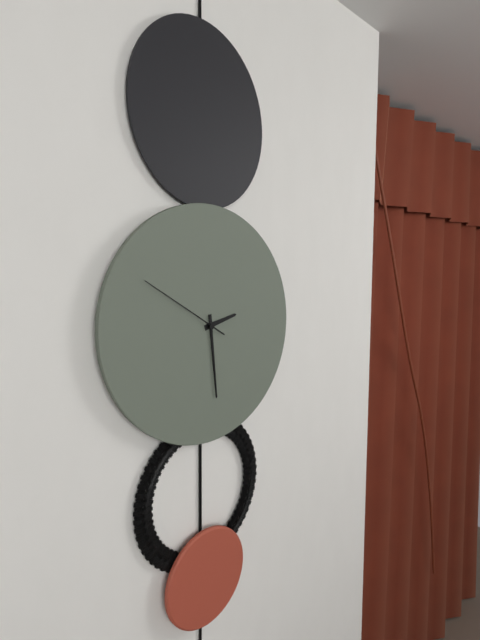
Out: {"hour": 2, "minute": 29, "second": 50}
